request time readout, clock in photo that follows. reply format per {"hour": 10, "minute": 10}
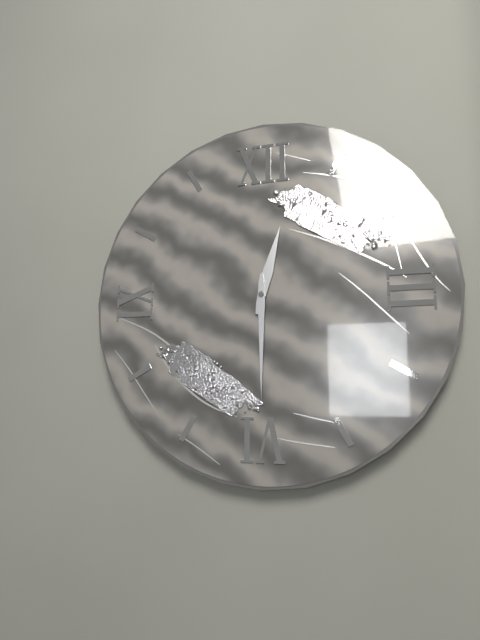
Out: {"hour": 12, "minute": 30}
